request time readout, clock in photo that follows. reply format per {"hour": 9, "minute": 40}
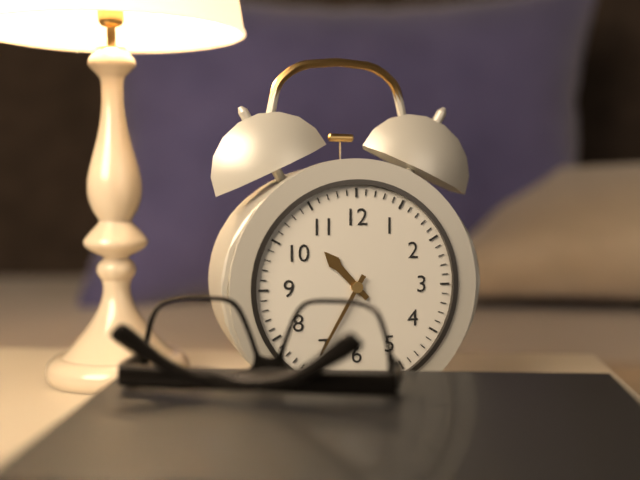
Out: {"hour": 10, "minute": 35}
